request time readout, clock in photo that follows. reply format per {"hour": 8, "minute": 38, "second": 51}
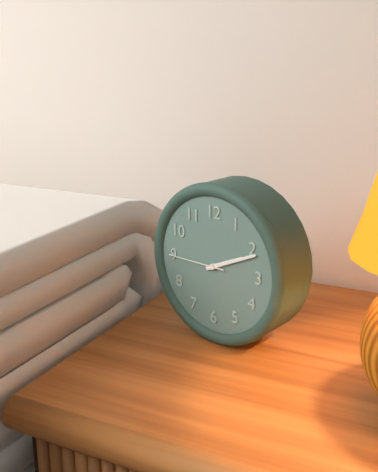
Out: {"hour": 2, "minute": 11, "second": 45}
